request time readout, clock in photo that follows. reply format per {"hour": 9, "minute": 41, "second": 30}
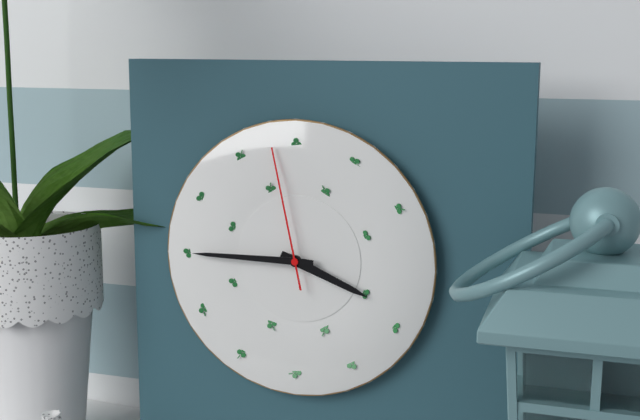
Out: {"hour": 3, "minute": 45, "second": 58}
